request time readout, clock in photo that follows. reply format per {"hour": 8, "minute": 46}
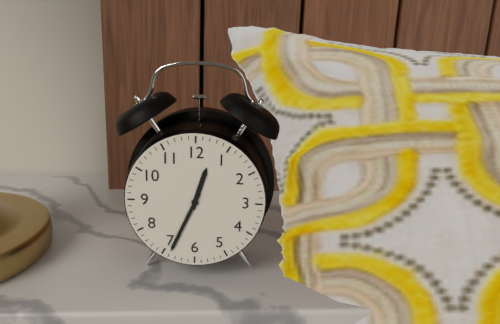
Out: {"hour": 12, "minute": 34}
